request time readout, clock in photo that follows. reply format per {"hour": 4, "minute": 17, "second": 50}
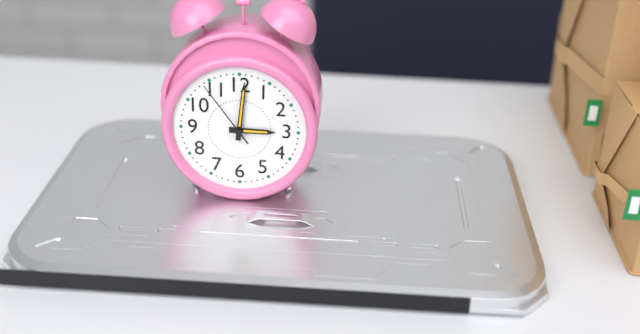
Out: {"hour": 3, "minute": 1, "second": 54}
